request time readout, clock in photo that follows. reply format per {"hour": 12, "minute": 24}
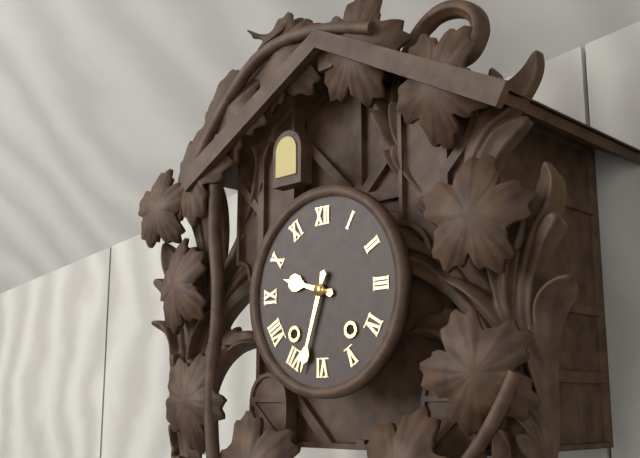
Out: {"hour": 9, "minute": 33}
